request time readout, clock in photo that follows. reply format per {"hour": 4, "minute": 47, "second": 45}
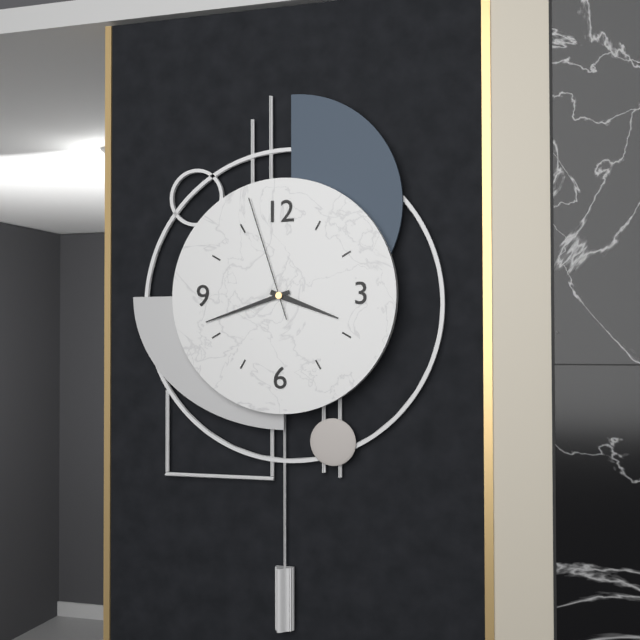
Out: {"hour": 3, "minute": 42, "second": 57}
